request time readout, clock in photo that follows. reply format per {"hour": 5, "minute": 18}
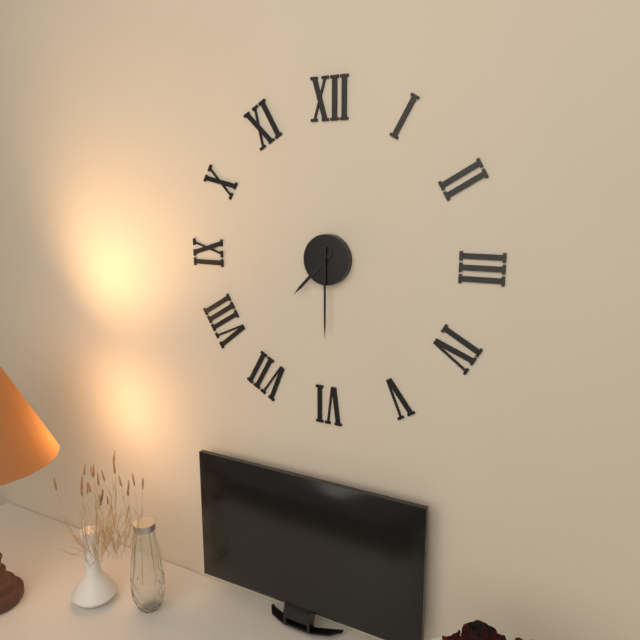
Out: {"hour": 7, "minute": 30}
